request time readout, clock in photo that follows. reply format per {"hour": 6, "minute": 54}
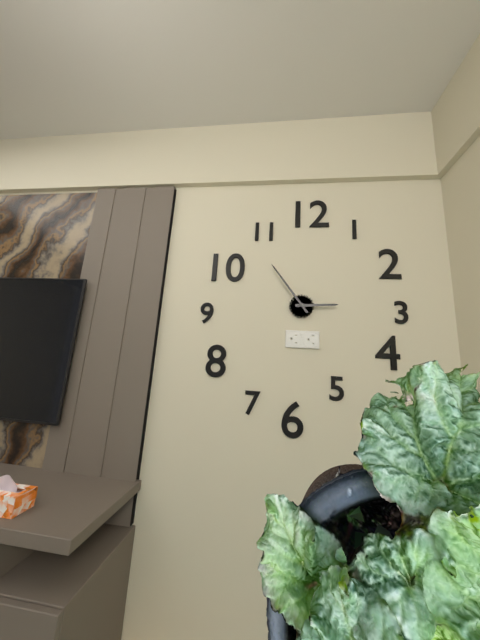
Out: {"hour": 2, "minute": 54}
